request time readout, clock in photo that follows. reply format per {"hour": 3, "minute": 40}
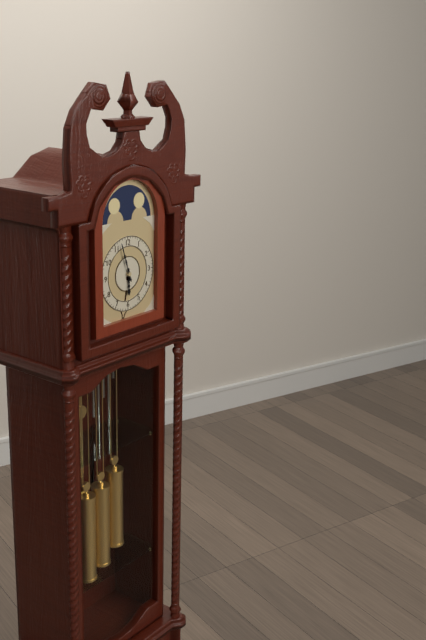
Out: {"hour": 5, "minute": 57}
